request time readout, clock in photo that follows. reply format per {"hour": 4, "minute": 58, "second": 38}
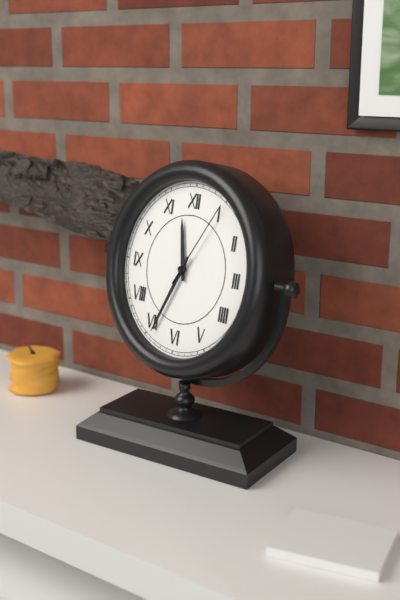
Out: {"hour": 11, "minute": 34, "second": 5}
